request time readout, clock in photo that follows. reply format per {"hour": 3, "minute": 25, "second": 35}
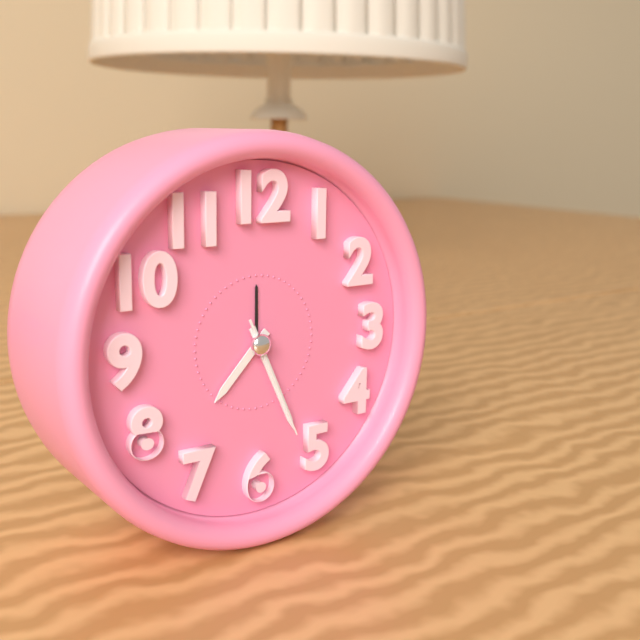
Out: {"hour": 7, "minute": 26, "second": 26}
